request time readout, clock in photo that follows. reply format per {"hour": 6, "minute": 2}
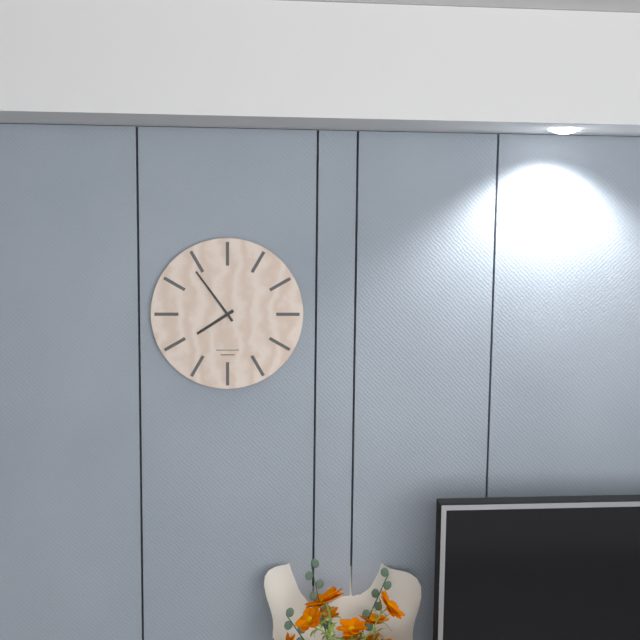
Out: {"hour": 7, "minute": 54}
